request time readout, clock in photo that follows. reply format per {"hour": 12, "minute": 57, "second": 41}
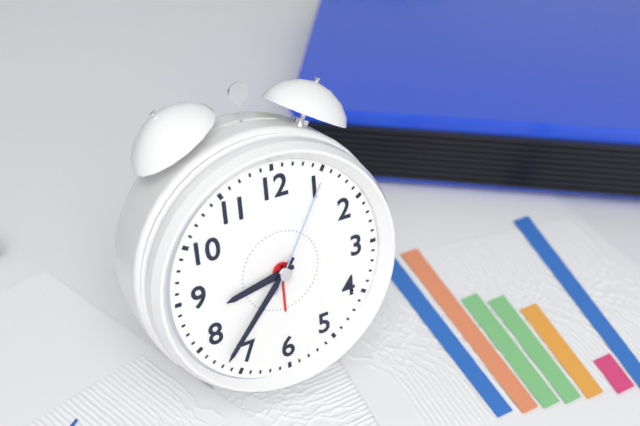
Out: {"hour": 8, "minute": 37, "second": 5}
